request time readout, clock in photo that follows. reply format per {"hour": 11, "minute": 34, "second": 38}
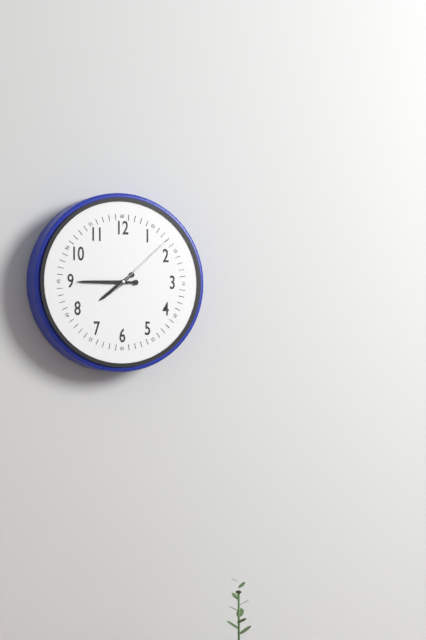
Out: {"hour": 7, "minute": 45, "second": 8}
